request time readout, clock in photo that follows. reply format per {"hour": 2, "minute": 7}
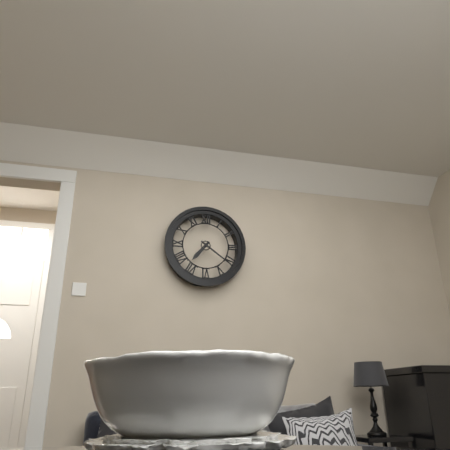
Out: {"hour": 7, "minute": 21}
